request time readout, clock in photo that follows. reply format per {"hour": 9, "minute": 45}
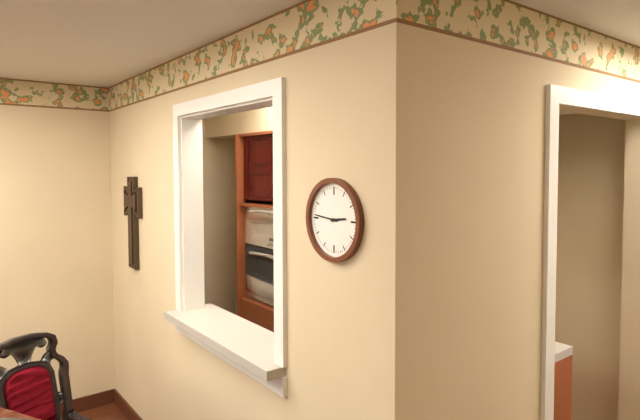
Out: {"hour": 2, "minute": 46}
